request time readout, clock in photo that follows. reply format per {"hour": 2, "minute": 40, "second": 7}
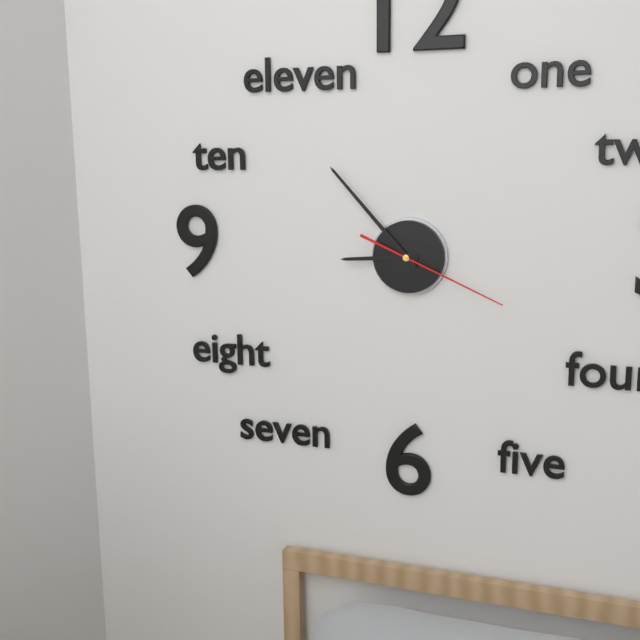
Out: {"hour": 8, "minute": 53, "second": 19}
